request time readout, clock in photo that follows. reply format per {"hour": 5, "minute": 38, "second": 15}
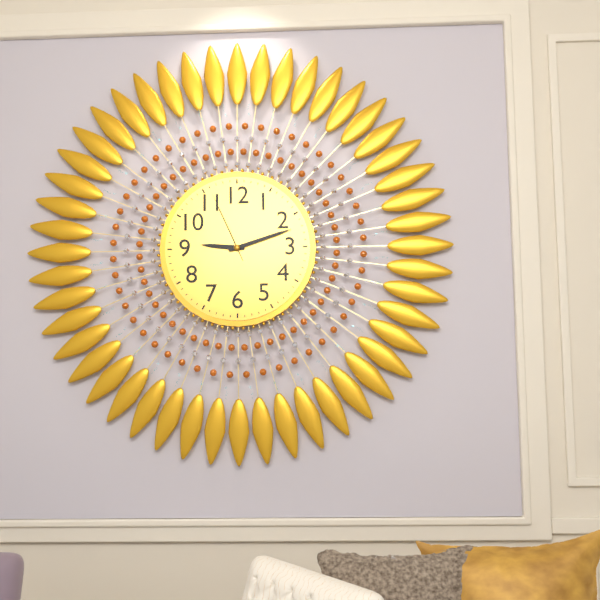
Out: {"hour": 9, "minute": 12, "second": 56}
